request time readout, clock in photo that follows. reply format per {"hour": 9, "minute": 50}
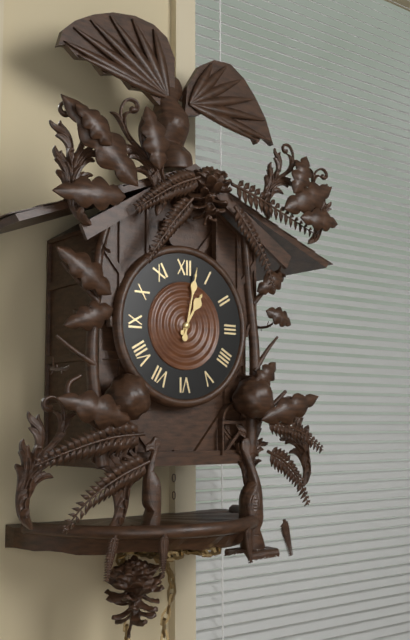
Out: {"hour": 1, "minute": 2}
